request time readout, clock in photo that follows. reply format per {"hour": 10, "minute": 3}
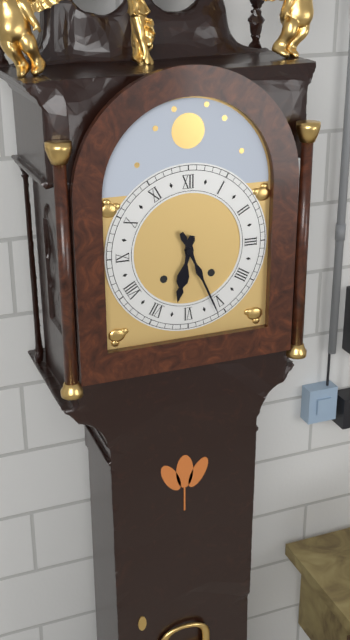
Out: {"hour": 6, "minute": 26}
